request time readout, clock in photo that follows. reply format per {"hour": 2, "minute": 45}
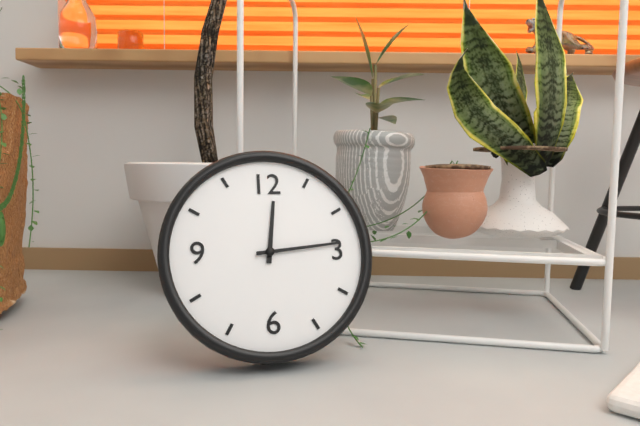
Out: {"hour": 12, "minute": 14}
